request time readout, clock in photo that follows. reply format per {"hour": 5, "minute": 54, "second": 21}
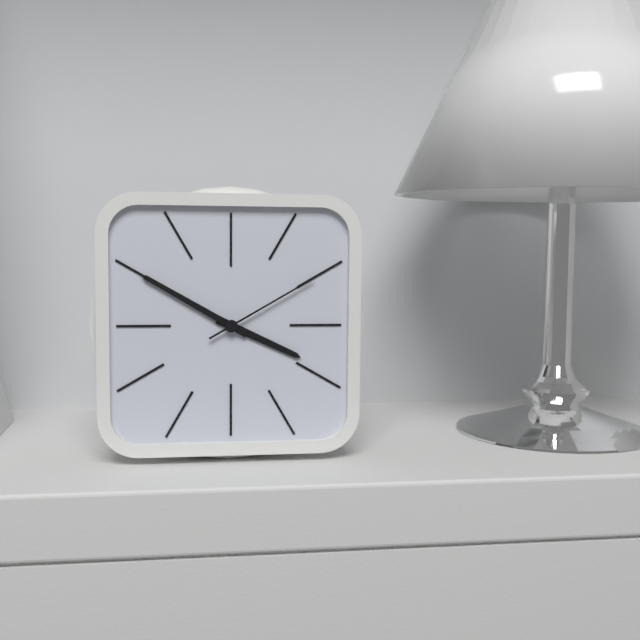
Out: {"hour": 3, "minute": 50, "second": 10}
